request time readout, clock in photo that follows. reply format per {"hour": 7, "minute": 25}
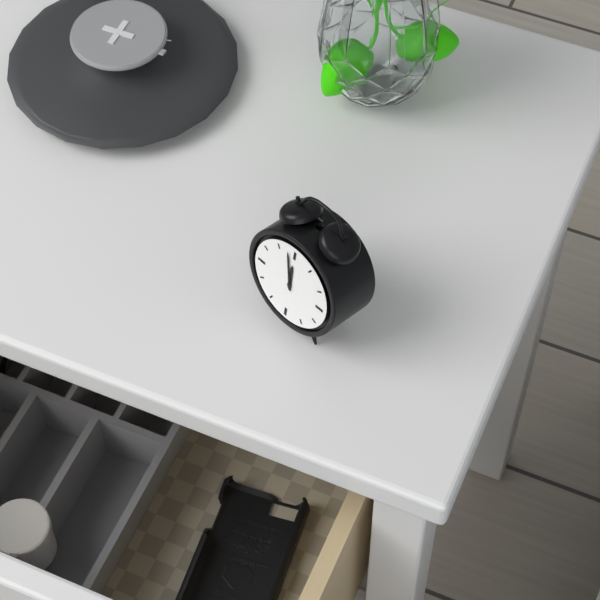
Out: {"hour": 11, "minute": 58}
